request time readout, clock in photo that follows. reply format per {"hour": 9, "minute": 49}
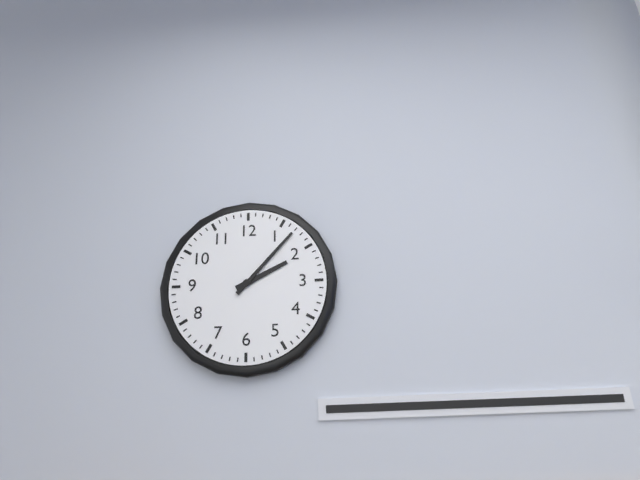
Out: {"hour": 2, "minute": 7}
